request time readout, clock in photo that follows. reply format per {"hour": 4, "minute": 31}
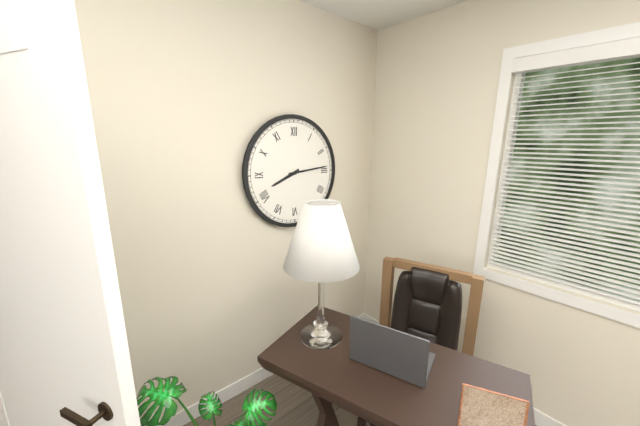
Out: {"hour": 8, "minute": 14}
